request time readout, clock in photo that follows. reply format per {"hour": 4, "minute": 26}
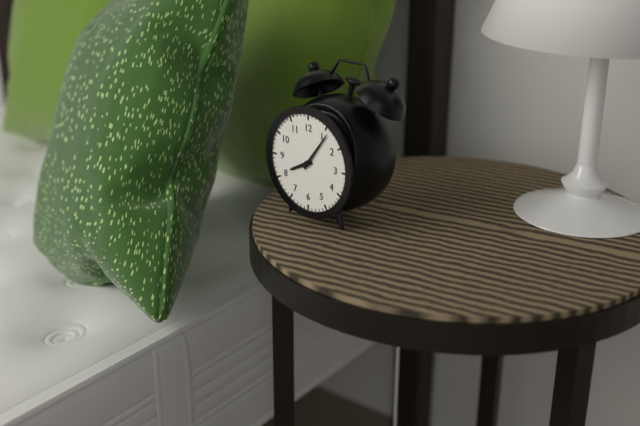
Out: {"hour": 8, "minute": 6}
